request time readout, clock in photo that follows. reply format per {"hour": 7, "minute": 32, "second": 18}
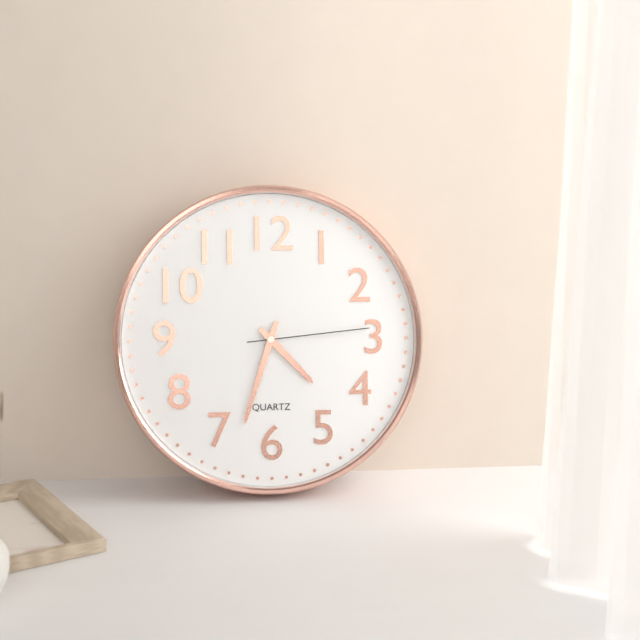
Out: {"hour": 4, "minute": 33, "second": 14}
